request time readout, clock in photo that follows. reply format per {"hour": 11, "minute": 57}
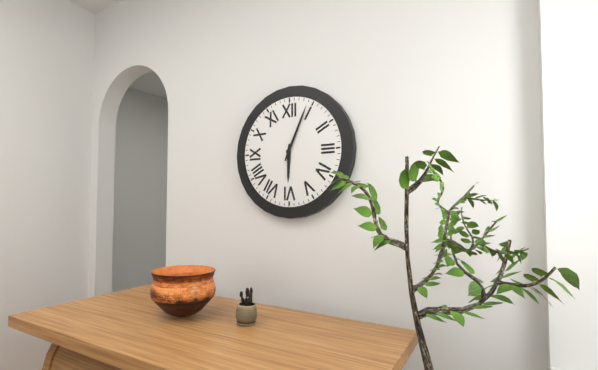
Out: {"hour": 6, "minute": 4}
